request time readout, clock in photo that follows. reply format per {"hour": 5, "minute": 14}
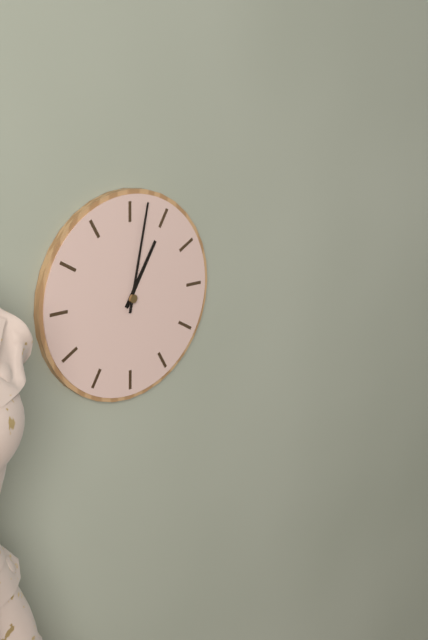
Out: {"hour": 1, "minute": 2}
